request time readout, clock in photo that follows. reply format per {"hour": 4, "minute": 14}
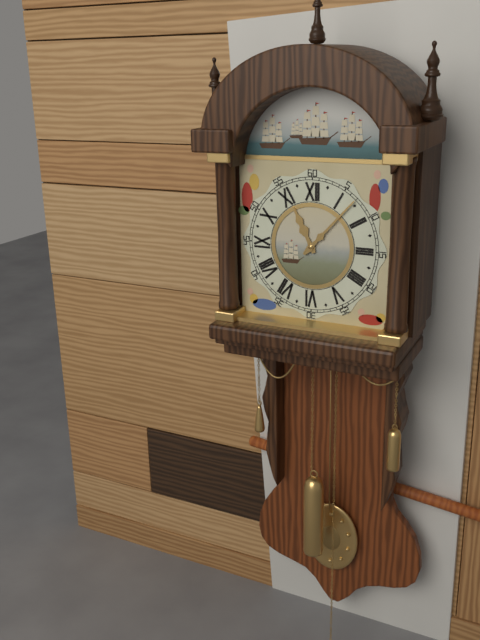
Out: {"hour": 11, "minute": 7}
